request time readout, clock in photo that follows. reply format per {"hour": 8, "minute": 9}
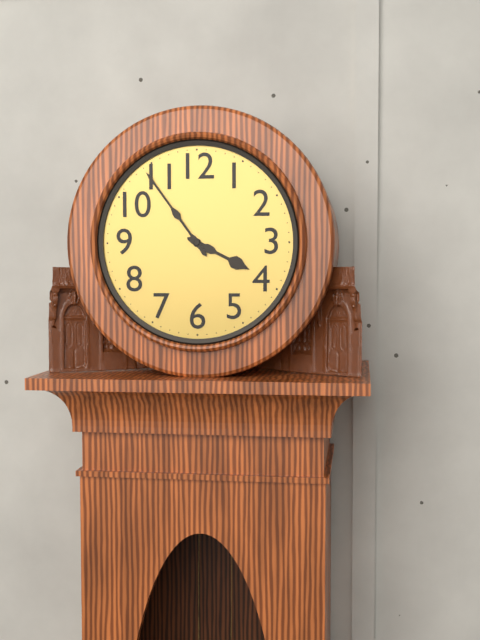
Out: {"hour": 3, "minute": 54}
